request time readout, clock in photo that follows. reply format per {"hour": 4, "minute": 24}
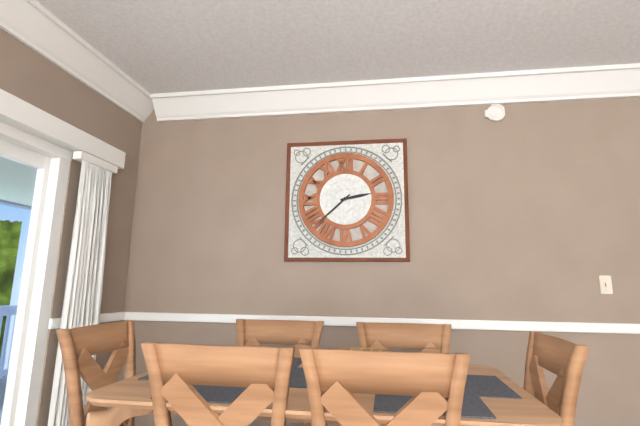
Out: {"hour": 2, "minute": 38}
